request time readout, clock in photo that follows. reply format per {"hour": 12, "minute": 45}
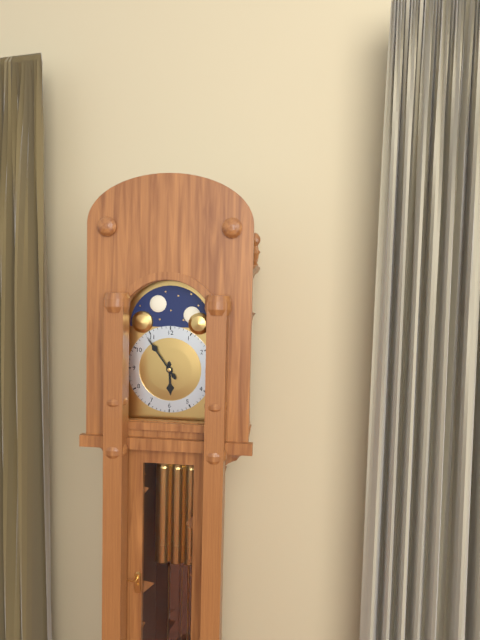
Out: {"hour": 5, "minute": 54}
